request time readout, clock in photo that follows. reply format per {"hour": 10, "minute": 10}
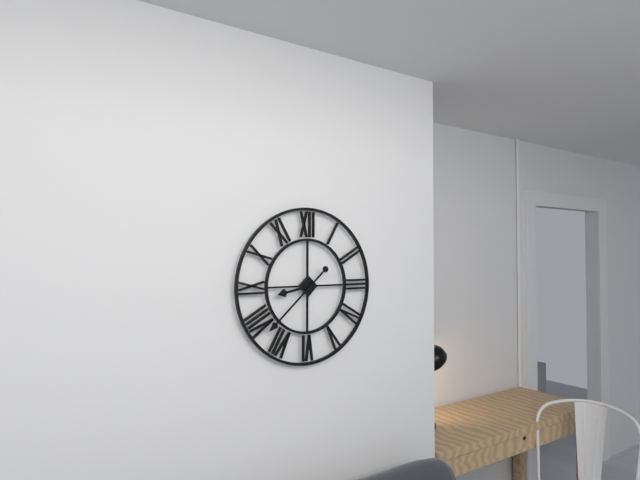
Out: {"hour": 8, "minute": 38}
